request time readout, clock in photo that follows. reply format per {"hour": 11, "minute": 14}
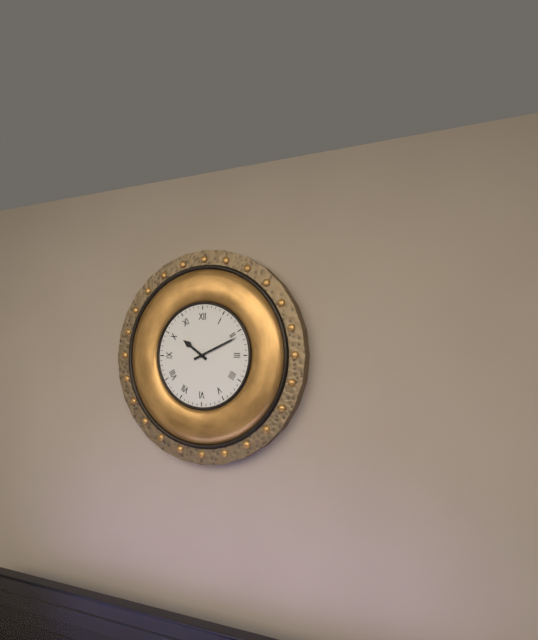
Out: {"hour": 10, "minute": 11}
